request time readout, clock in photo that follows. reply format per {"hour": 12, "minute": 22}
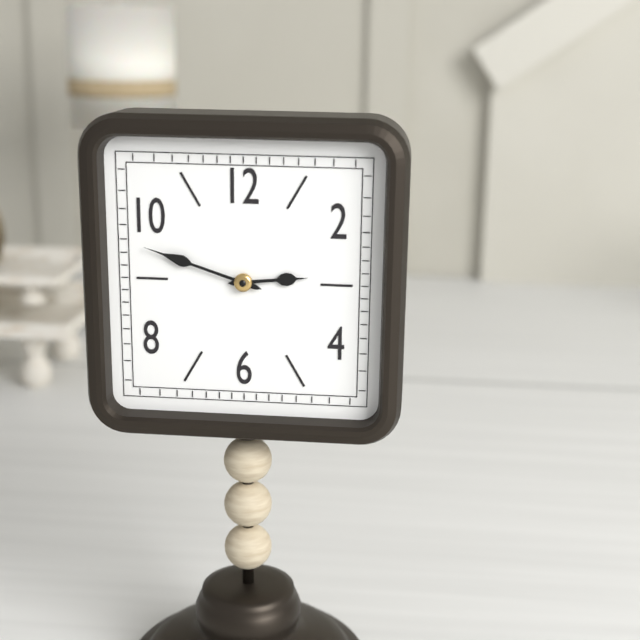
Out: {"hour": 2, "minute": 48}
